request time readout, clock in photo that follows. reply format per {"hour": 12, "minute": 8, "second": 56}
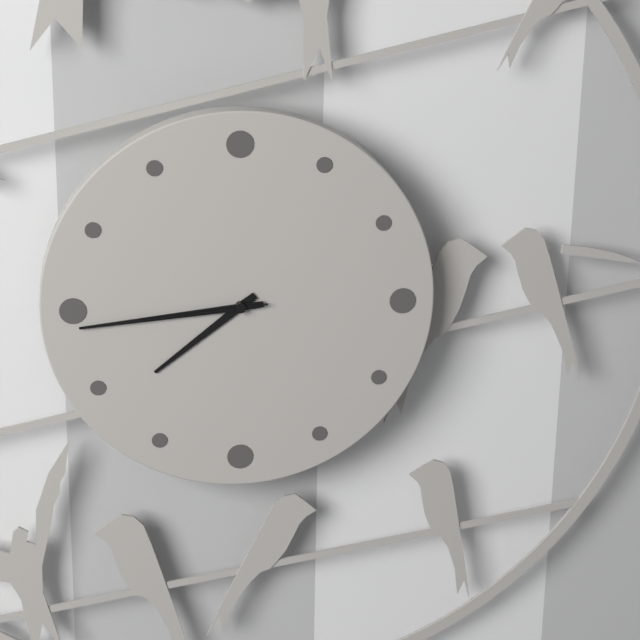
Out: {"hour": 7, "minute": 44, "second": 44}
